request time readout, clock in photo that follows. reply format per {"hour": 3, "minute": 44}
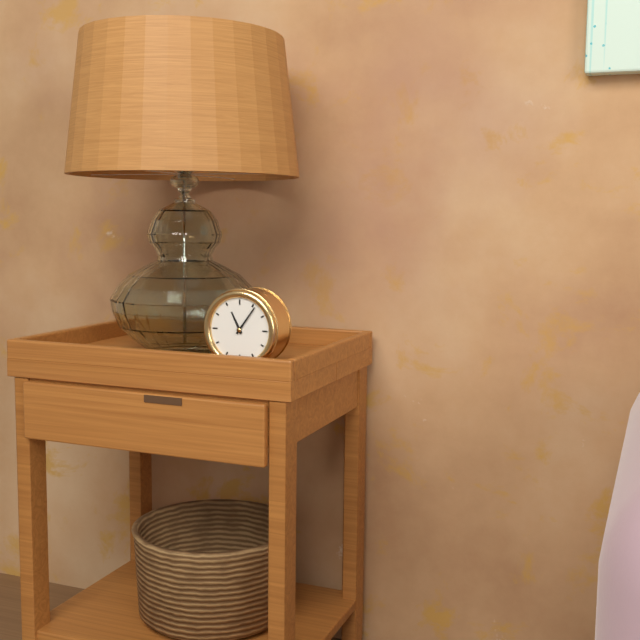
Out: {"hour": 11, "minute": 6}
